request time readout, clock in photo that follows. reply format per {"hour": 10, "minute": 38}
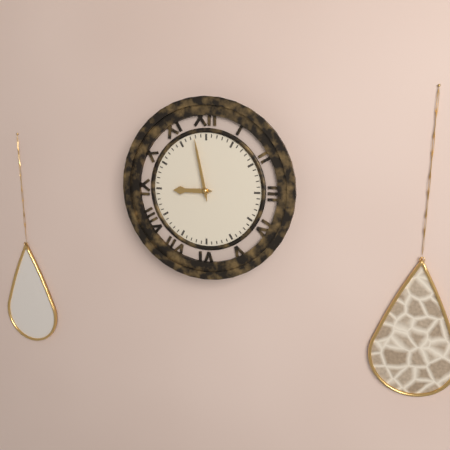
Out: {"hour": 8, "minute": 58}
